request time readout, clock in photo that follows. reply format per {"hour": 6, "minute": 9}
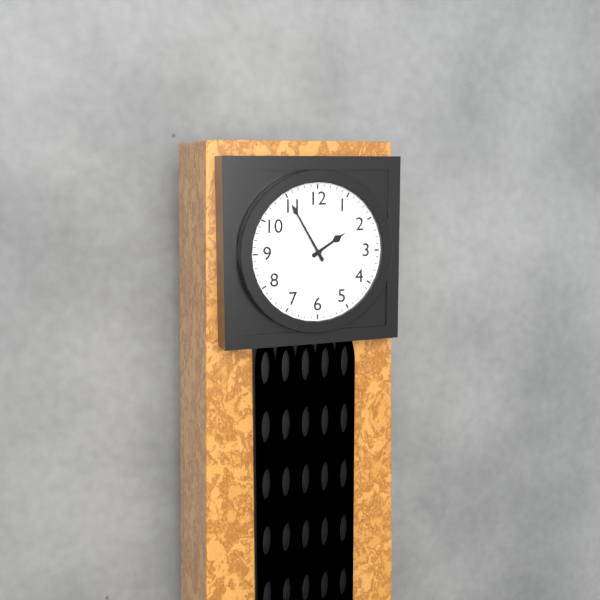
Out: {"hour": 1, "minute": 55}
